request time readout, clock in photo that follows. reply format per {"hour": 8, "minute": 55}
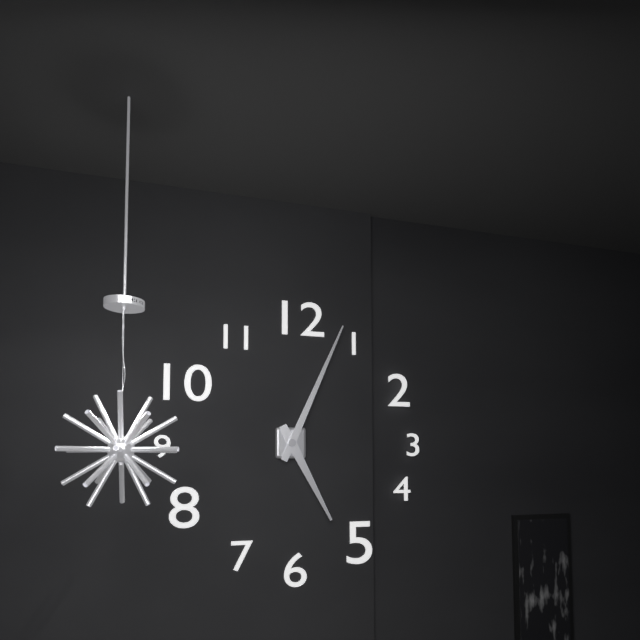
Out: {"hour": 5, "minute": 4}
